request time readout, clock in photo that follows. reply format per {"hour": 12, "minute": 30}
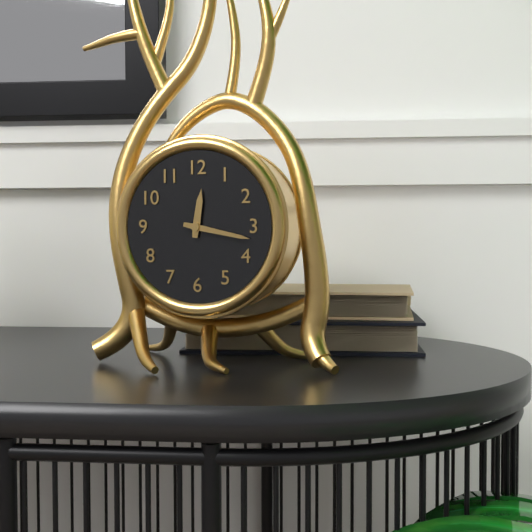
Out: {"hour": 12, "minute": 17}
